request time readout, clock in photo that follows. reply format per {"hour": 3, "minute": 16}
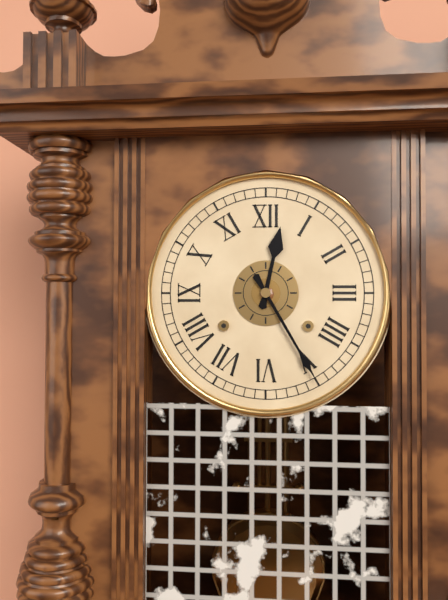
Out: {"hour": 12, "minute": 25}
